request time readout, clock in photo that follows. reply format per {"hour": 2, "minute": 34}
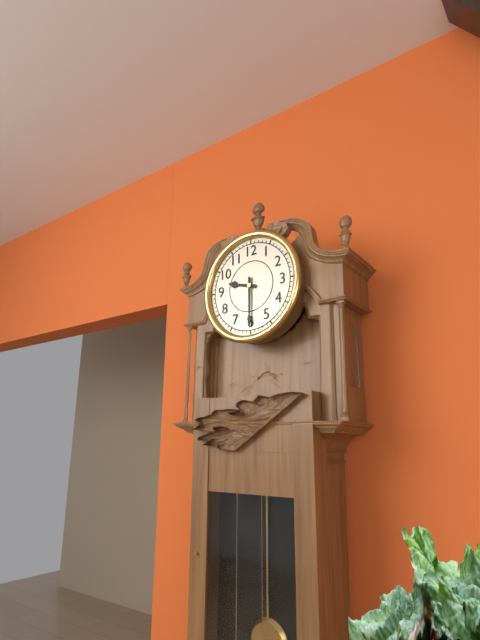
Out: {"hour": 9, "minute": 30}
